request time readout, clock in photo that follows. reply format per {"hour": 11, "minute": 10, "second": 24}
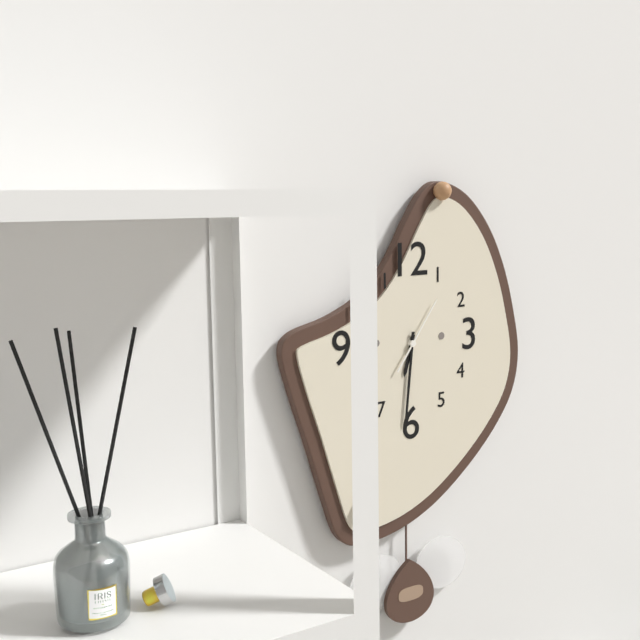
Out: {"hour": 6, "minute": 31, "second": 6}
